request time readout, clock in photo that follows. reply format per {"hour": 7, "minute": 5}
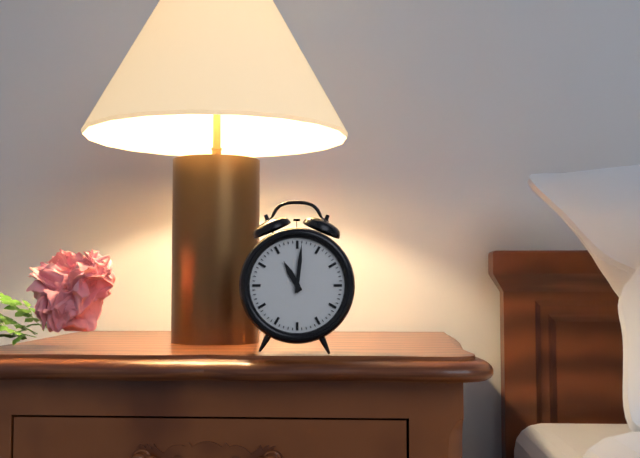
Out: {"hour": 11, "minute": 1}
